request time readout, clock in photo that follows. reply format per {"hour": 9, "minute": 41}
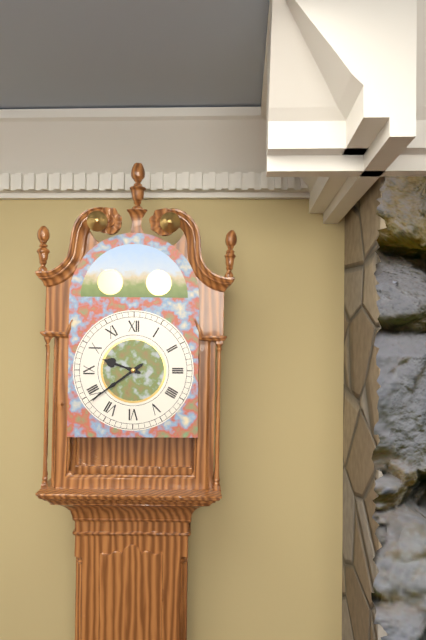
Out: {"hour": 9, "minute": 39}
